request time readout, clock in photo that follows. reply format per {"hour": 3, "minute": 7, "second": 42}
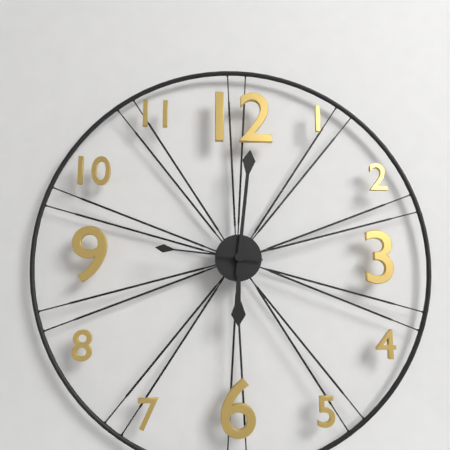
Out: {"hour": 6, "minute": 1, "second": 46}
